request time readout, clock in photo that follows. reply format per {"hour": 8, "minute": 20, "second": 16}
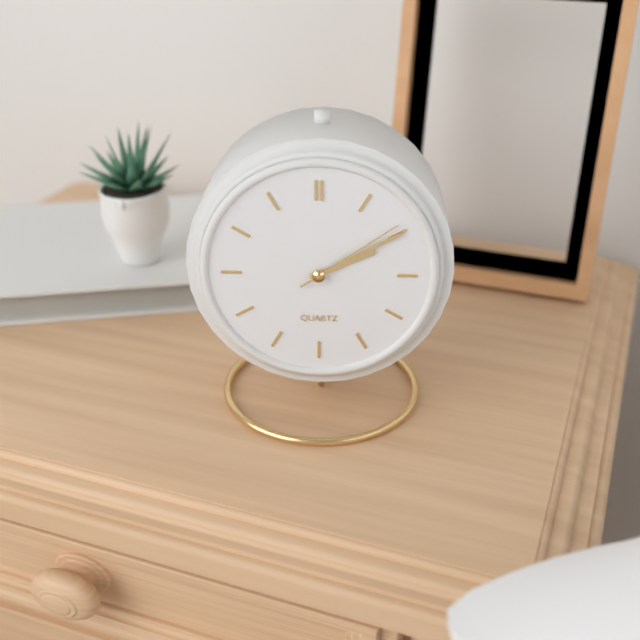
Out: {"hour": 2, "minute": 10, "second": 9}
